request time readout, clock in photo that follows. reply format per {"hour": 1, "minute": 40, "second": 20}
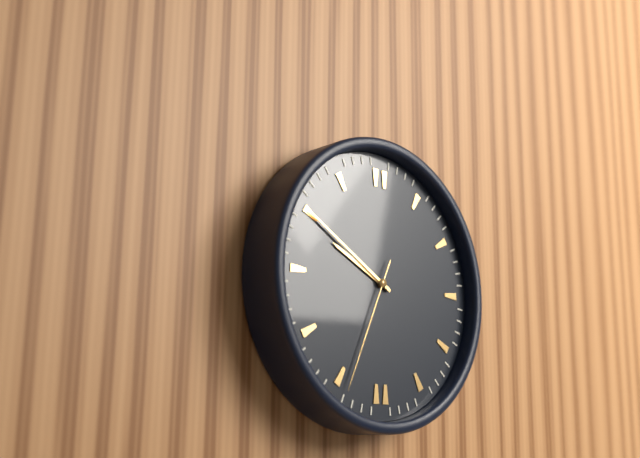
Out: {"hour": 9, "minute": 50, "second": 34}
